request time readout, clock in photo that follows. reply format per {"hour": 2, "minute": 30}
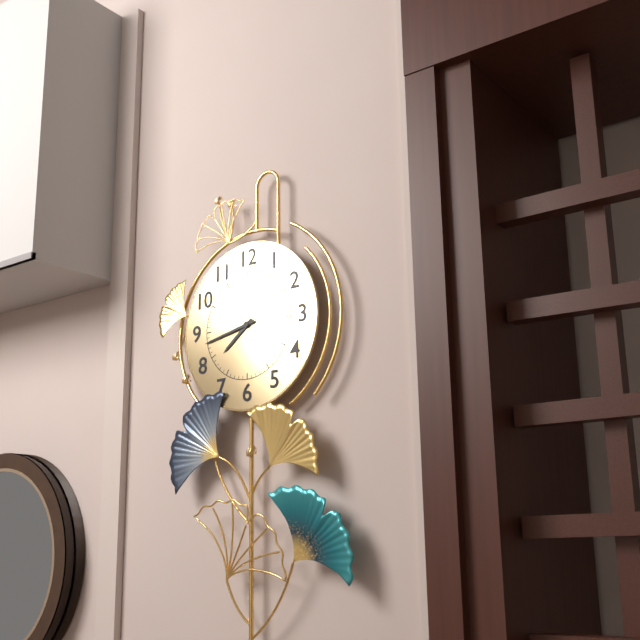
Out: {"hour": 7, "minute": 43}
